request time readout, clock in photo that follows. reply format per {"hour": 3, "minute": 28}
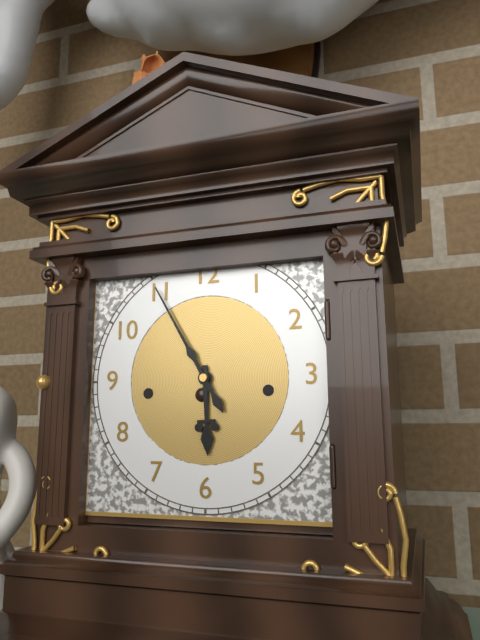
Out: {"hour": 5, "minute": 55}
